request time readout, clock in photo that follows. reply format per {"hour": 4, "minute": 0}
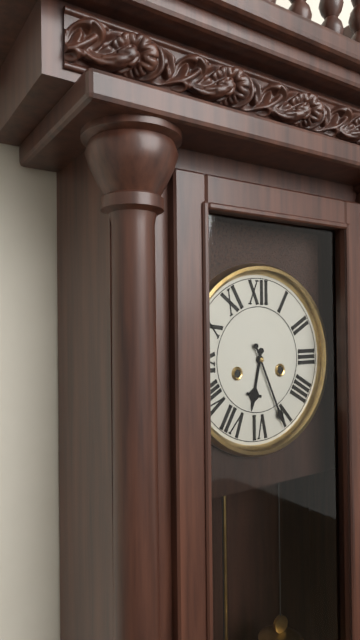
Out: {"hour": 6, "minute": 26}
